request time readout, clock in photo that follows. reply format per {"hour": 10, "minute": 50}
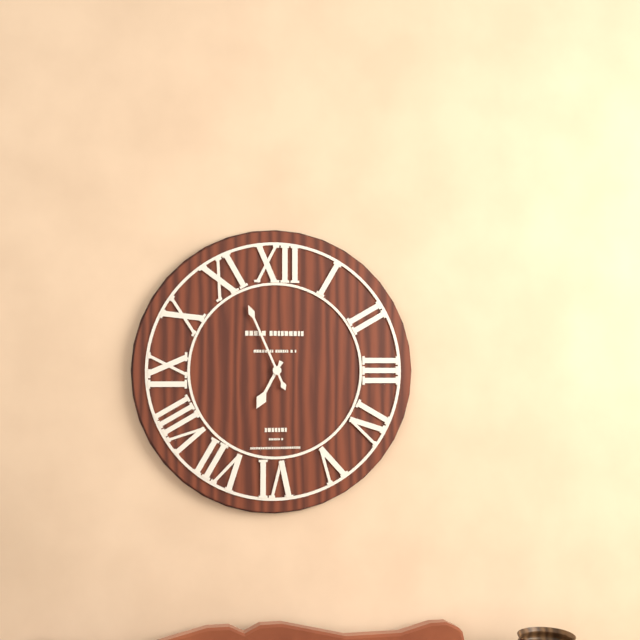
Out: {"hour": 6, "minute": 56}
